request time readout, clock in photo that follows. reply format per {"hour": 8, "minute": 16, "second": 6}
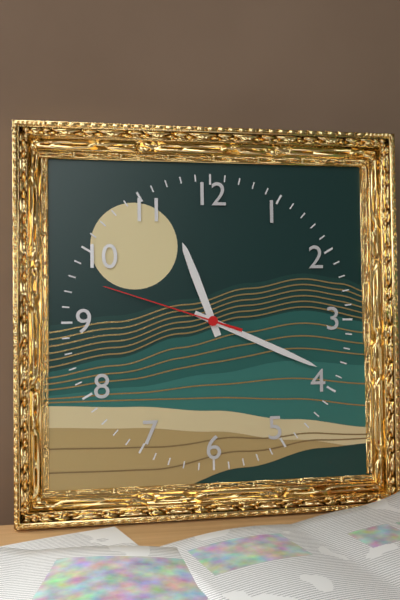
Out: {"hour": 11, "minute": 19, "second": 48}
